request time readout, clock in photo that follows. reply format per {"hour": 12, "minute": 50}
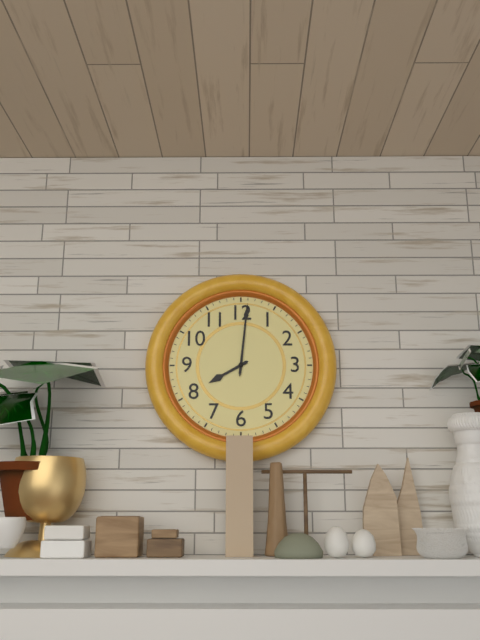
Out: {"hour": 8, "minute": 1}
